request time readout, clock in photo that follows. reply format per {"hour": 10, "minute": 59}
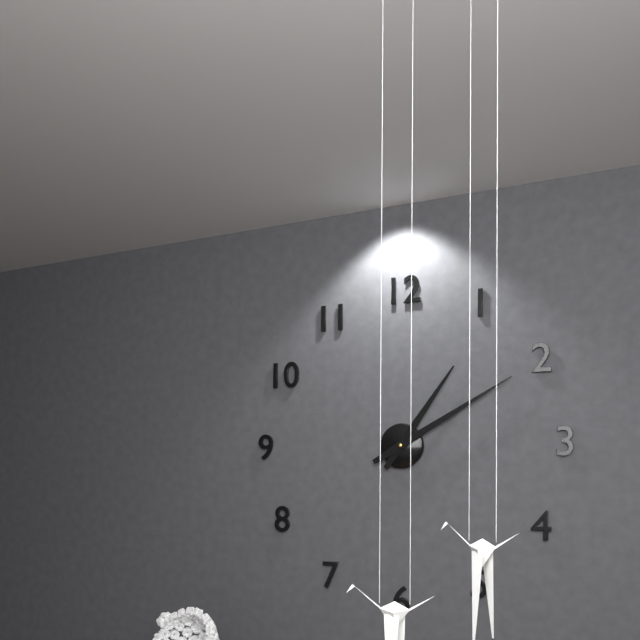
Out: {"hour": 1, "minute": 10}
